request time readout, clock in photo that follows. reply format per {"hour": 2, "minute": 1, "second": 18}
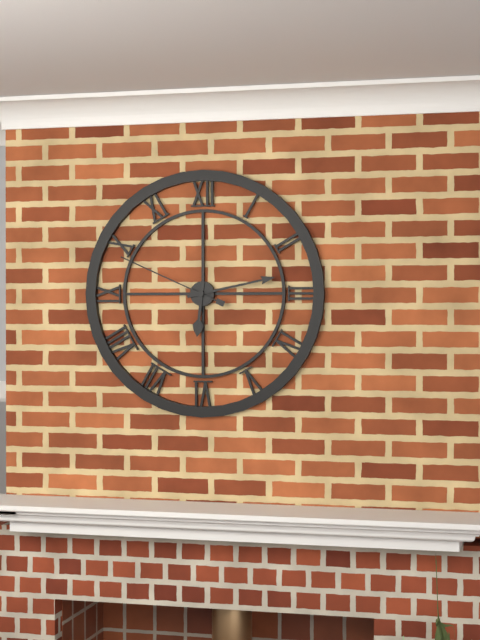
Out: {"hour": 6, "minute": 13, "second": 49}
